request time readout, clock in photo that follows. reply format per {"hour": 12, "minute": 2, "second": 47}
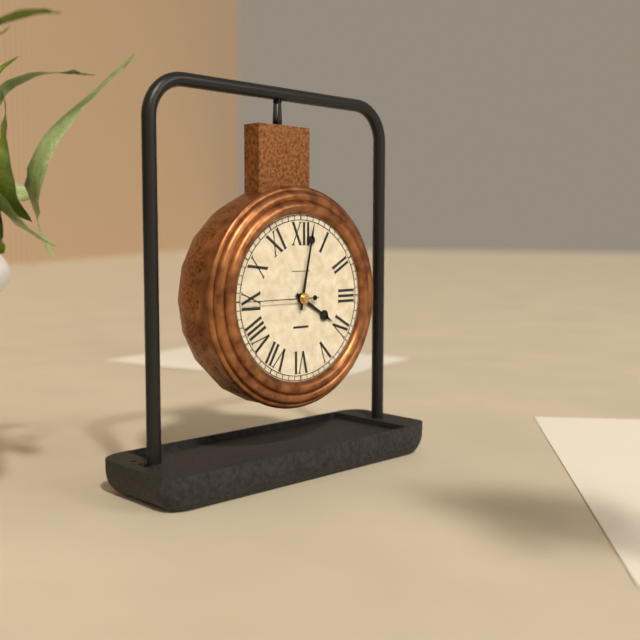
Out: {"hour": 4, "minute": 2, "second": 45}
